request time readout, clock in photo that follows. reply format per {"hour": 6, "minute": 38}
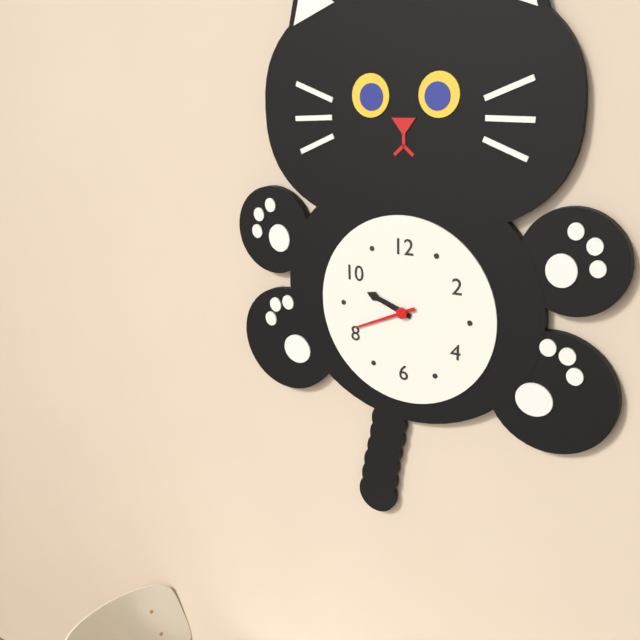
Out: {"hour": 9, "minute": 41}
